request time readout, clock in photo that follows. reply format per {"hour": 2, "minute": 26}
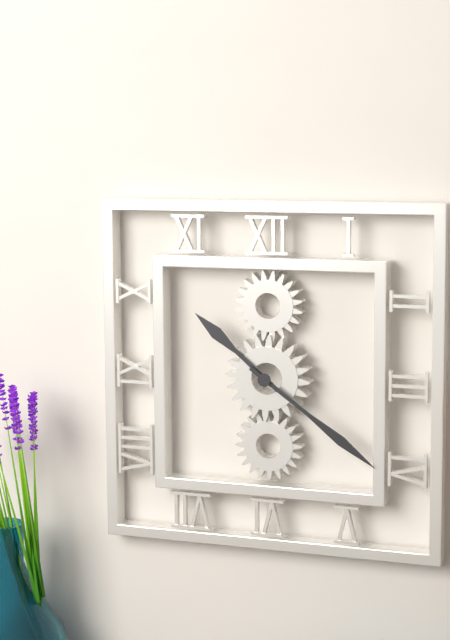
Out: {"hour": 10, "minute": 21}
